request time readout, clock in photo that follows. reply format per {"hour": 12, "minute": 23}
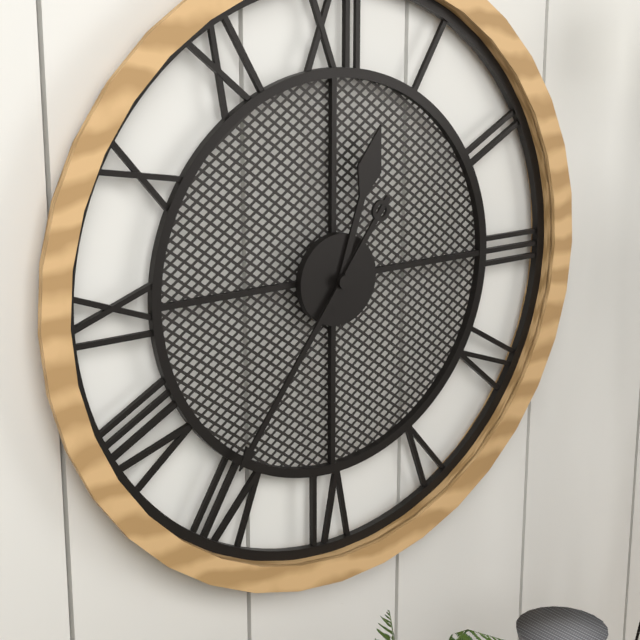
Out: {"hour": 12, "minute": 36}
